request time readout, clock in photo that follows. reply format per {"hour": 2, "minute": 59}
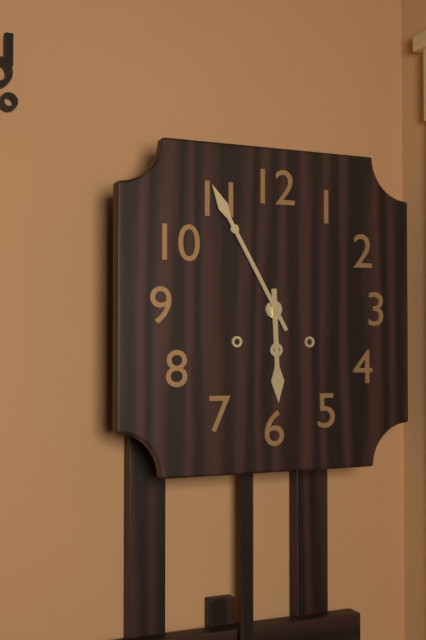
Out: {"hour": 5, "minute": 55}
